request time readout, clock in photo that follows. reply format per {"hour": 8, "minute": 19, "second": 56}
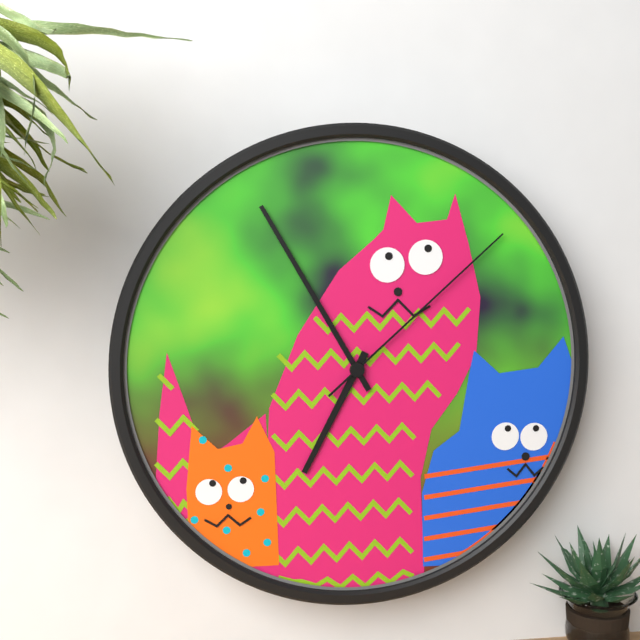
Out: {"hour": 6, "minute": 55, "second": 8}
